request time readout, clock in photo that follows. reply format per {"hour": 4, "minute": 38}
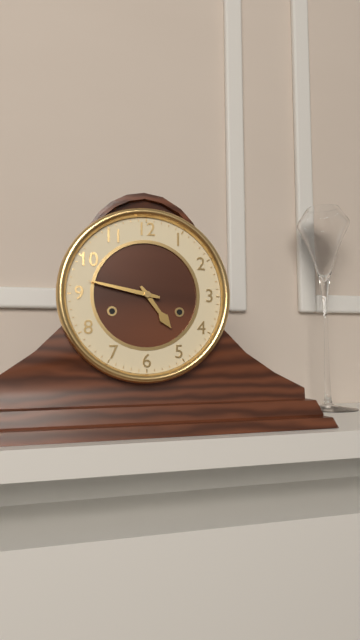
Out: {"hour": 4, "minute": 47}
